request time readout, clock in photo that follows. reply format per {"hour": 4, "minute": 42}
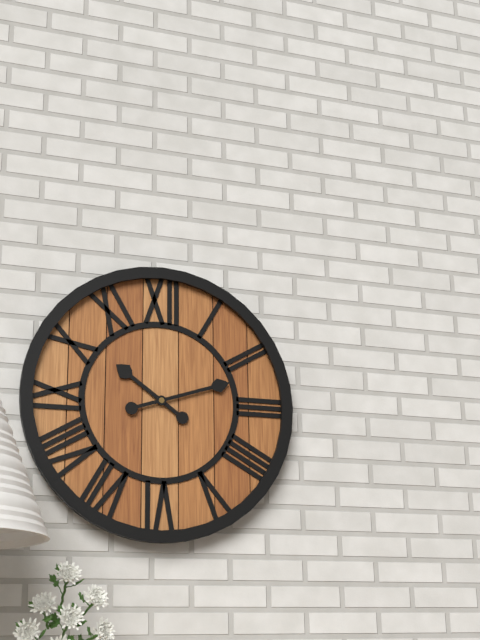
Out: {"hour": 10, "minute": 12}
